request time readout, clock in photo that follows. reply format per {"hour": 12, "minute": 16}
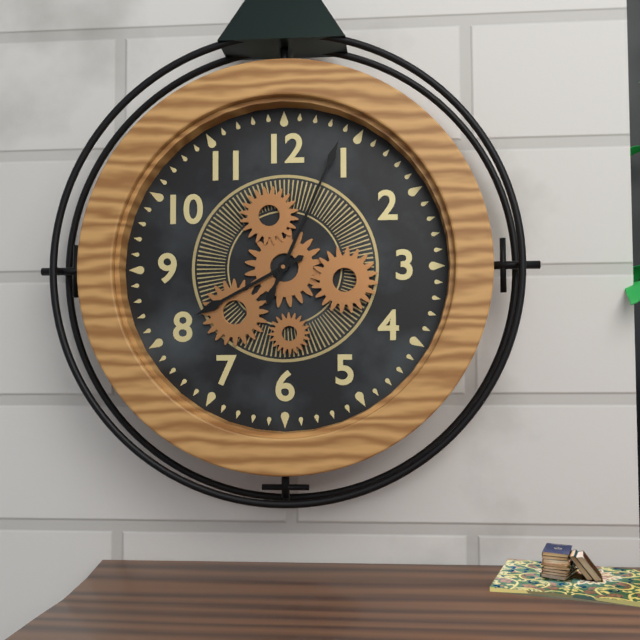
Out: {"hour": 8, "minute": 4}
